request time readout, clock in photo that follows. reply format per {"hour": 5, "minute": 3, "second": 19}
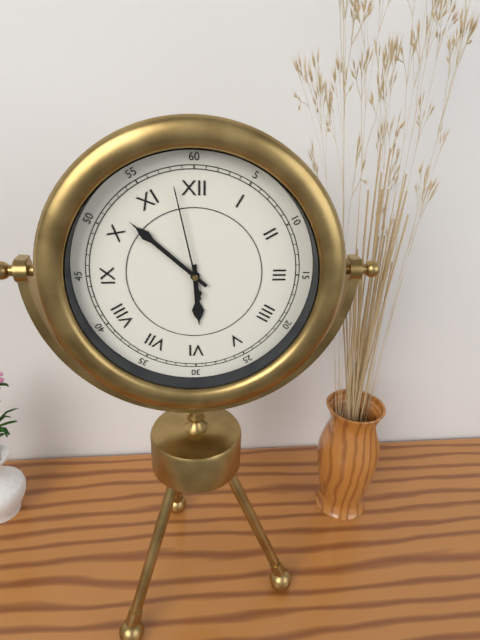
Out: {"hour": 5, "minute": 52, "second": 58}
